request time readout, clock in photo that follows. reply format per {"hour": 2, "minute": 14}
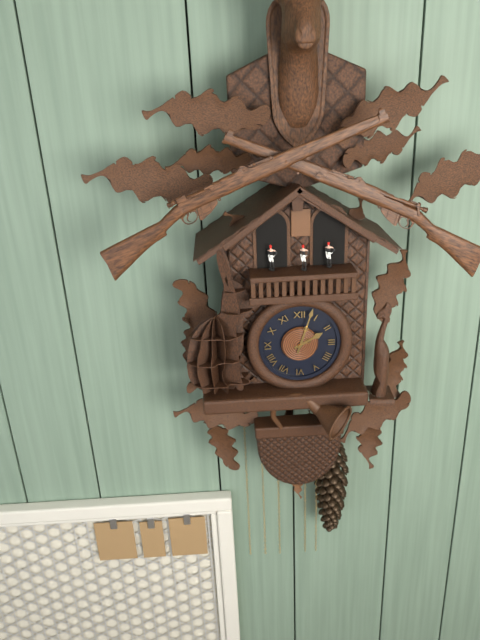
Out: {"hour": 2, "minute": 3}
